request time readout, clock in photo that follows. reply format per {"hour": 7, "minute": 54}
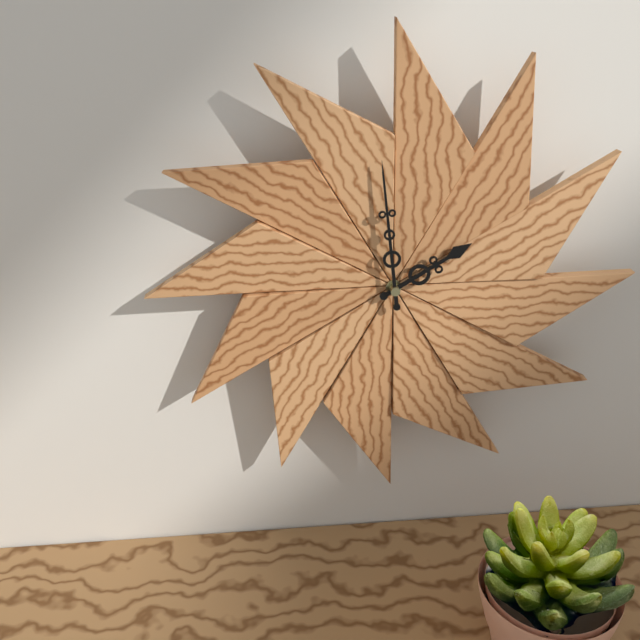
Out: {"hour": 1, "minute": 59}
